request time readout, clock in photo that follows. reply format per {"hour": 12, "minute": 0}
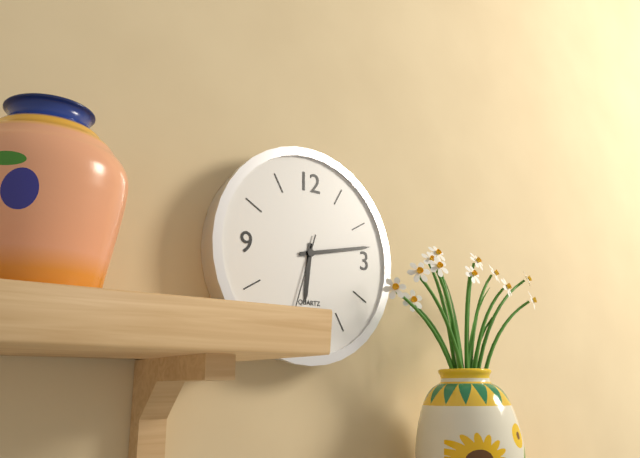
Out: {"hour": 6, "minute": 13}
